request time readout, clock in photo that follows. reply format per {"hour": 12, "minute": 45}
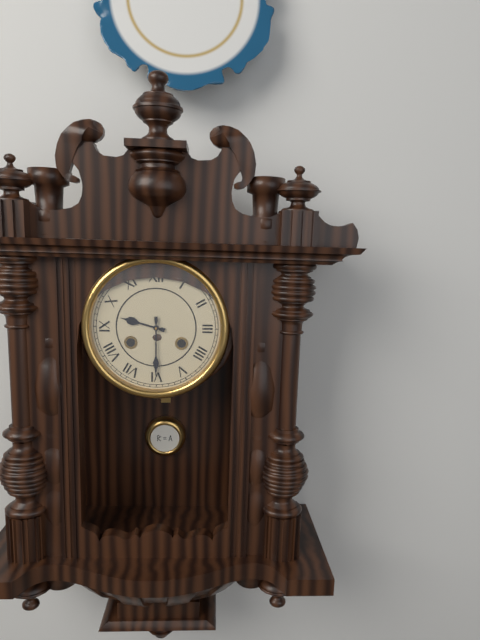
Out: {"hour": 9, "minute": 30}
